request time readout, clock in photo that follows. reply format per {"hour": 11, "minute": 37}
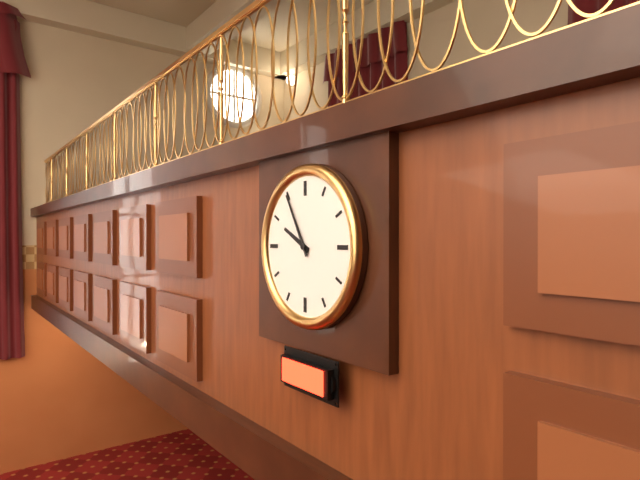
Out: {"hour": 9, "minute": 55}
